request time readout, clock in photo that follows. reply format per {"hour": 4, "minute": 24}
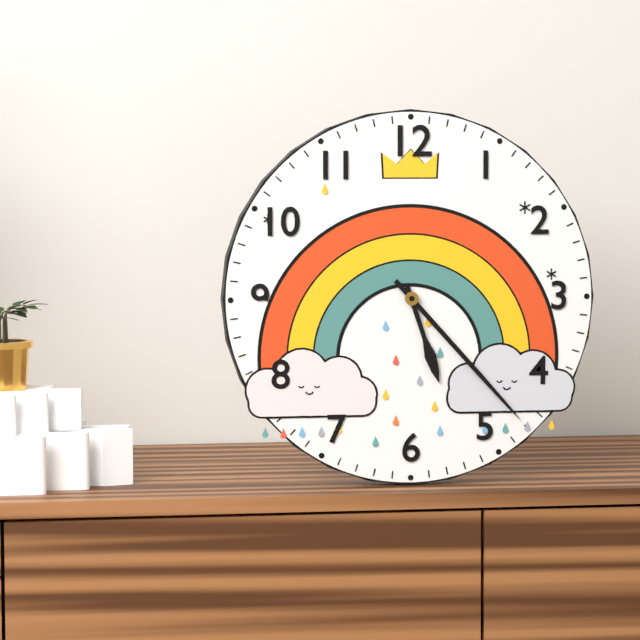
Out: {"hour": 5, "minute": 23}
